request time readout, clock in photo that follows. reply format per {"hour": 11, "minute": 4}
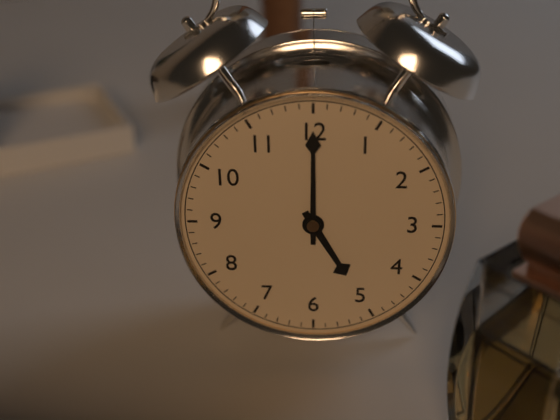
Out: {"hour": 5, "minute": 0}
